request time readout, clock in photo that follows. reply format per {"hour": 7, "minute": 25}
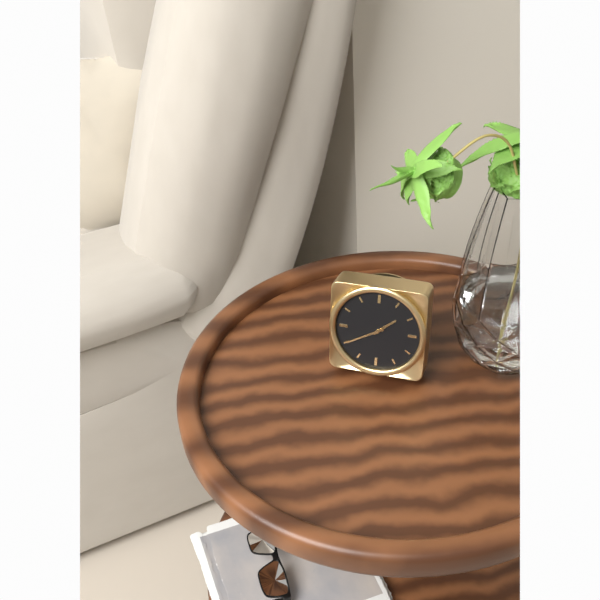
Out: {"hour": 1, "minute": 40}
